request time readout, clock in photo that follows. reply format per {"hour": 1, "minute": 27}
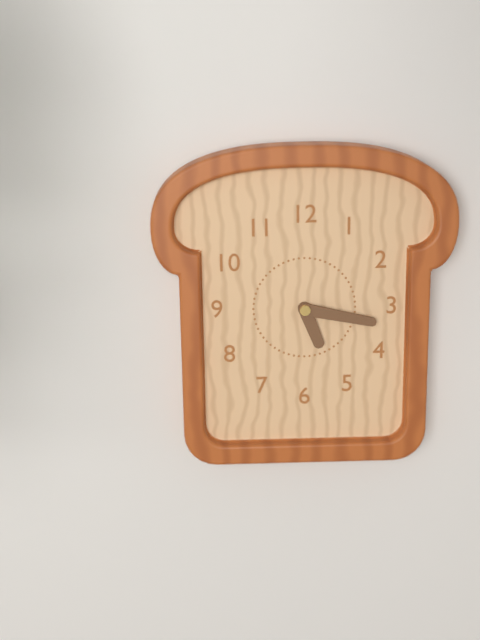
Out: {"hour": 5, "minute": 17}
